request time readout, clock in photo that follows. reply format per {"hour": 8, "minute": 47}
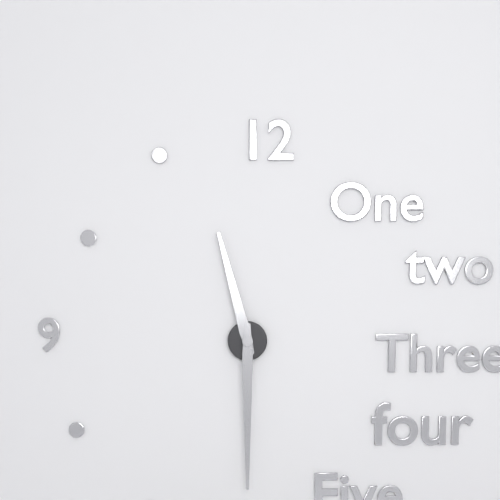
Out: {"hour": 11, "minute": 30}
